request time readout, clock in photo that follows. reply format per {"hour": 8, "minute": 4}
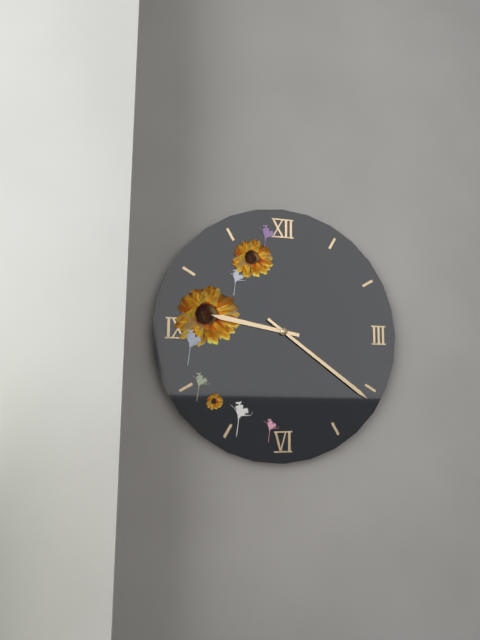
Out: {"hour": 9, "minute": 21}
